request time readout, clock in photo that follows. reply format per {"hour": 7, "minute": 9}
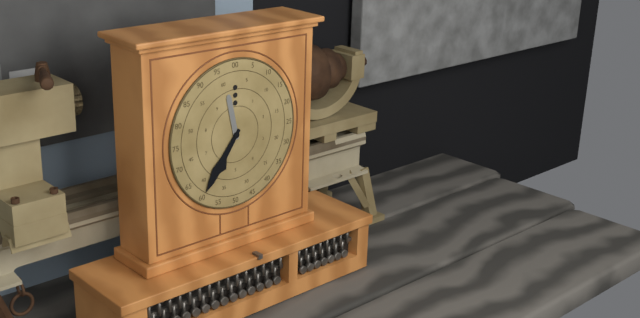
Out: {"hour": 11, "minute": 36}
